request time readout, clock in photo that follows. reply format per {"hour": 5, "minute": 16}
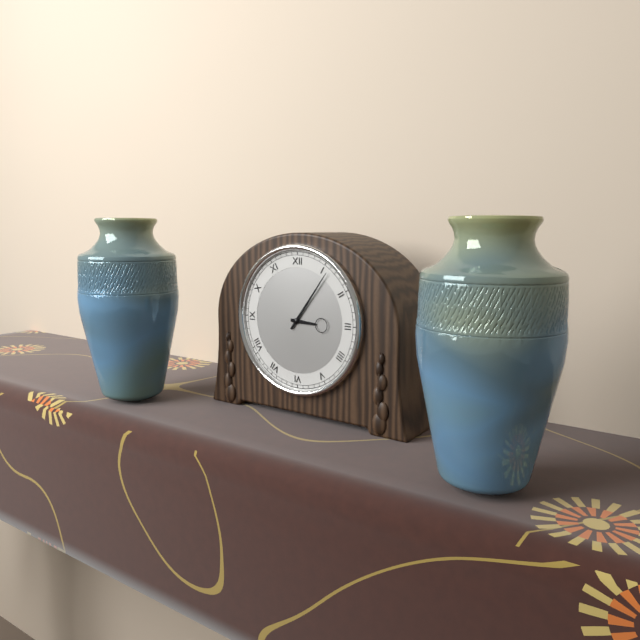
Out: {"hour": 3, "minute": 6}
